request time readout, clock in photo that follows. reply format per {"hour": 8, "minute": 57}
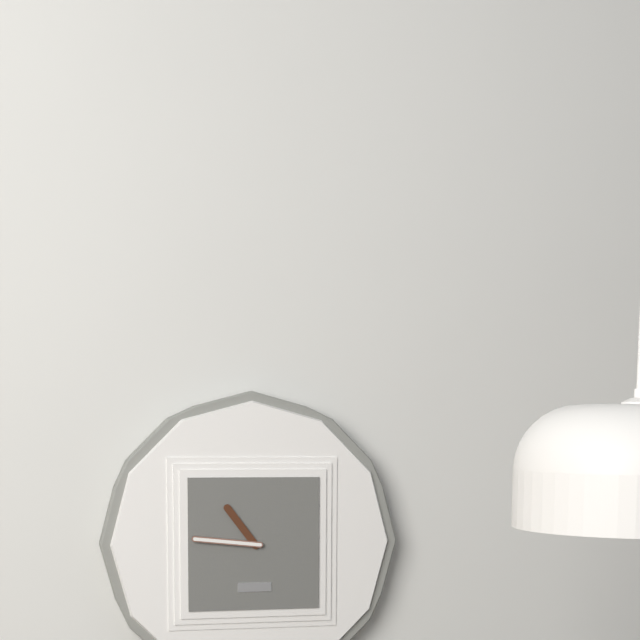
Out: {"hour": 10, "minute": 46}
